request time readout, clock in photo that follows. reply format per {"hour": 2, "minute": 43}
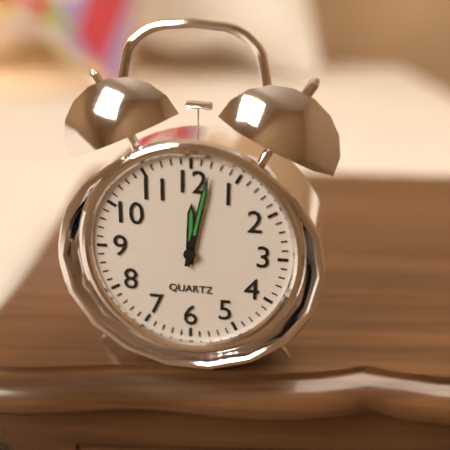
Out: {"hour": 12, "minute": 2}
